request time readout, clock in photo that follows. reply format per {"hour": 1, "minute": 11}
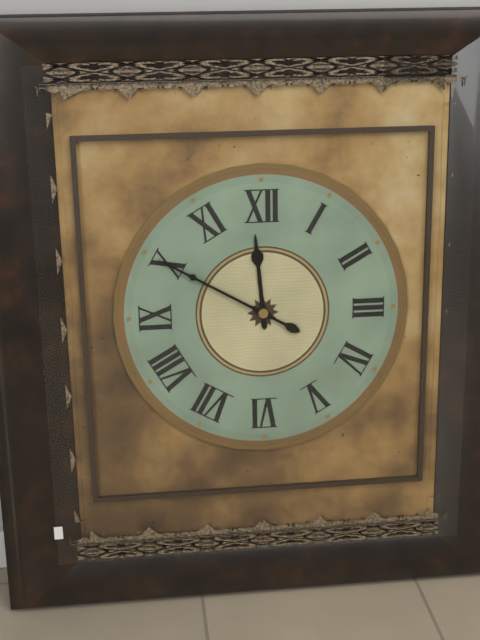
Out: {"hour": 11, "minute": 50}
